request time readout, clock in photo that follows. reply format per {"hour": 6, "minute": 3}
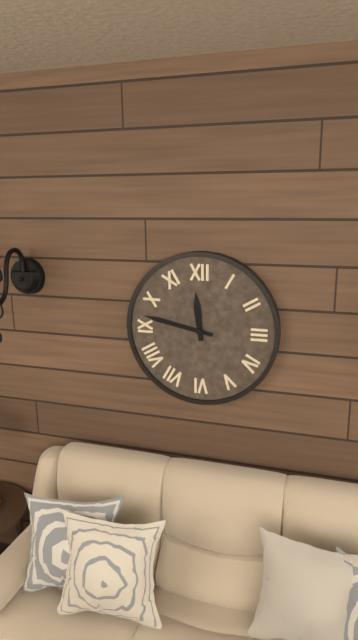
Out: {"hour": 11, "minute": 47}
